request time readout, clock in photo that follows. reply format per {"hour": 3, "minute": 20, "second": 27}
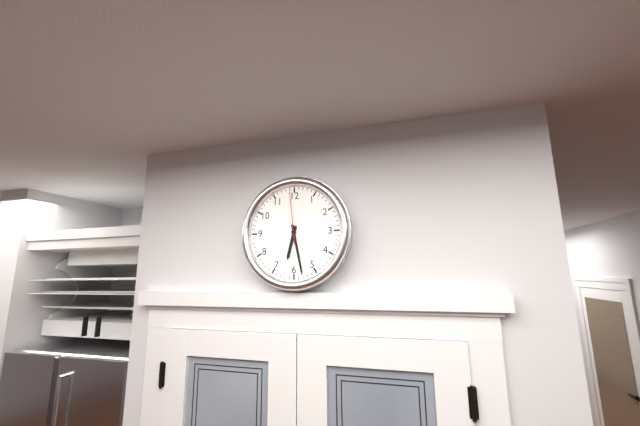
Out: {"hour": 6, "minute": 28, "second": 59}
